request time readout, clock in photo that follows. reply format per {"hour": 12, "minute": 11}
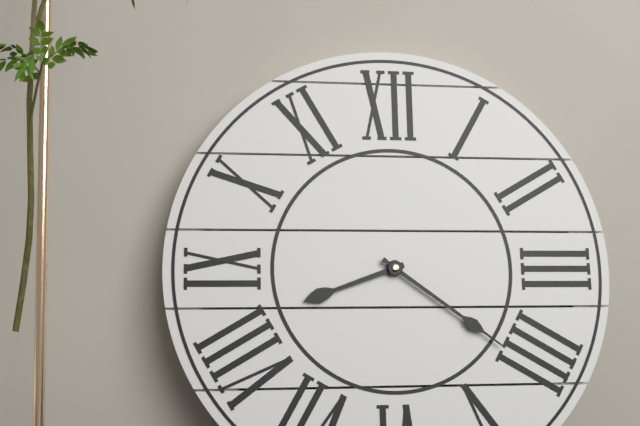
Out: {"hour": 8, "minute": 21}
